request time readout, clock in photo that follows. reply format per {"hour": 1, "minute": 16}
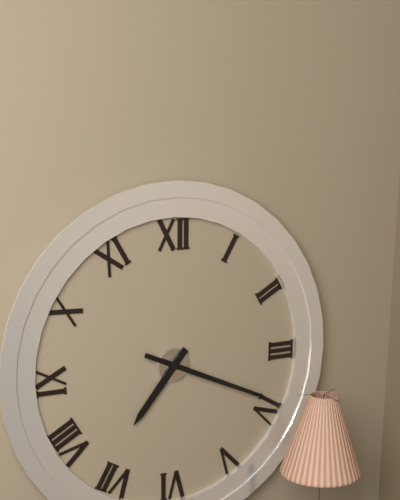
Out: {"hour": 7, "minute": 19}
